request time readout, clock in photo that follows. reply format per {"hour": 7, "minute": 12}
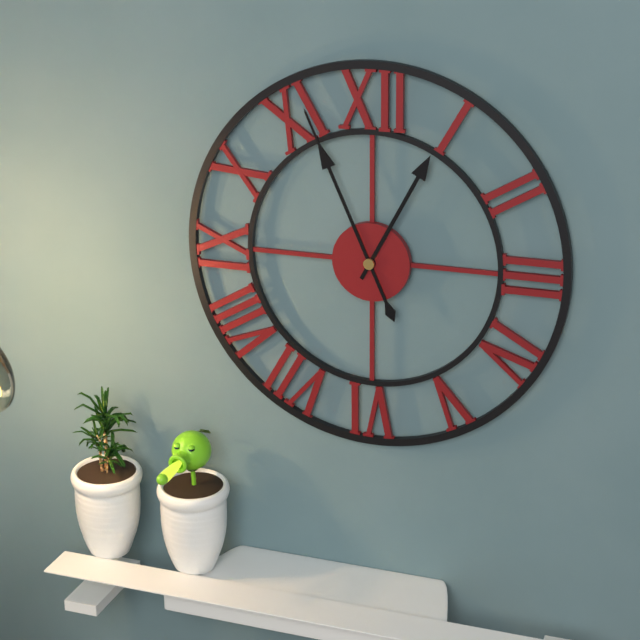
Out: {"hour": 12, "minute": 56}
